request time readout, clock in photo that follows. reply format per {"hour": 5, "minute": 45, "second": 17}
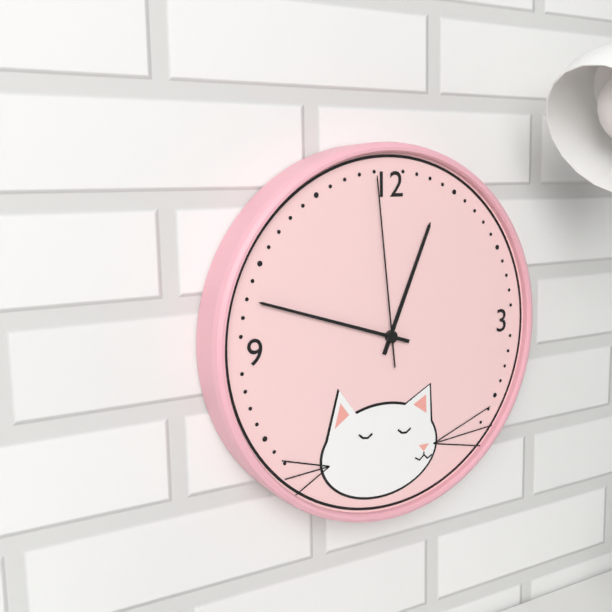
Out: {"hour": 12, "minute": 48, "second": 59}
